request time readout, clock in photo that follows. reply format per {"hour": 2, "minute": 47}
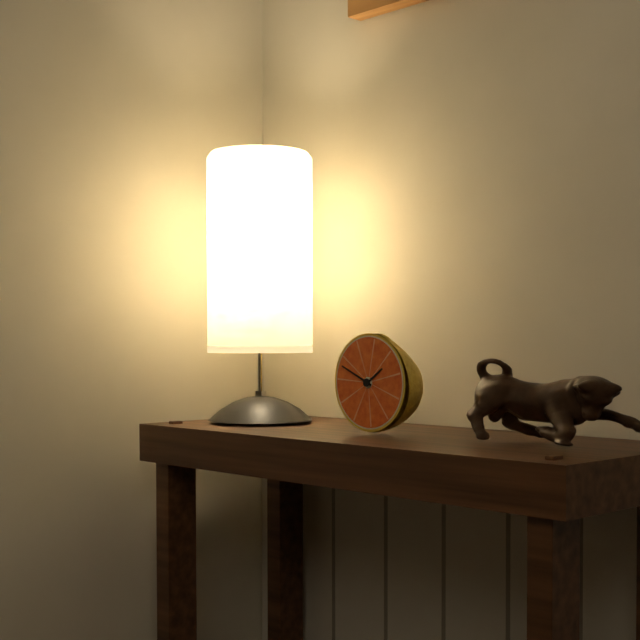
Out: {"hour": 1, "minute": 49}
